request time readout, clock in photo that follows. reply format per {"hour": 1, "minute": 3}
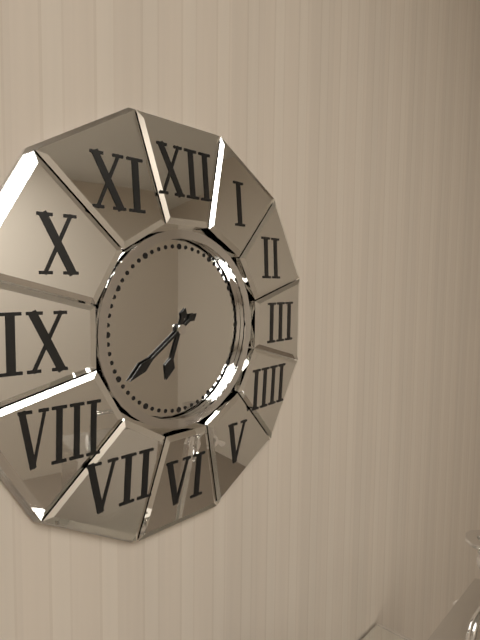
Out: {"hour": 6, "minute": 39}
